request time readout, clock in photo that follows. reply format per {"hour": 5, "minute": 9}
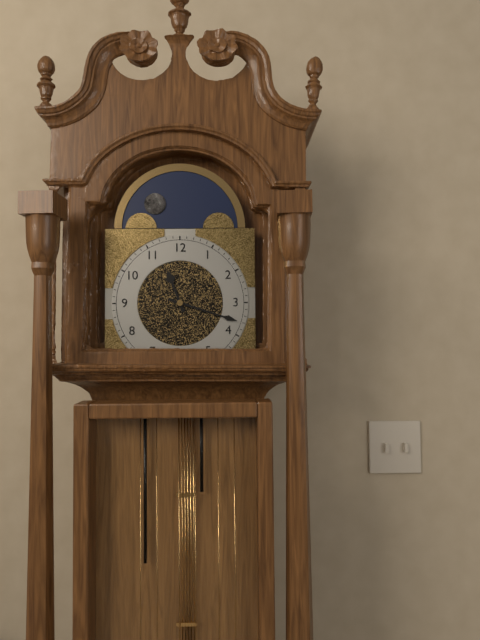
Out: {"hour": 11, "minute": 18}
